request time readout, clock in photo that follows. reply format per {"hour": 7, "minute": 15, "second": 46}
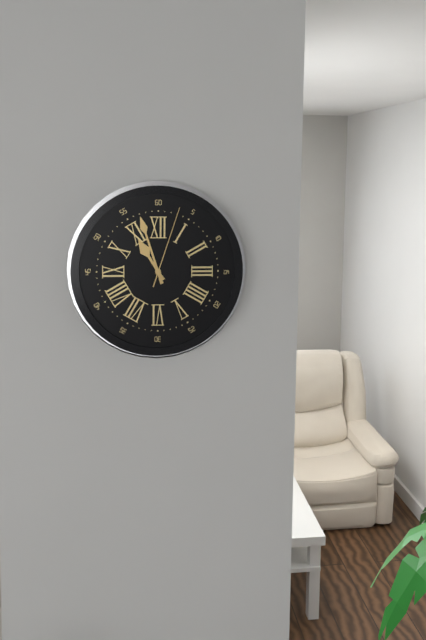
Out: {"hour": 10, "minute": 57, "second": 3}
